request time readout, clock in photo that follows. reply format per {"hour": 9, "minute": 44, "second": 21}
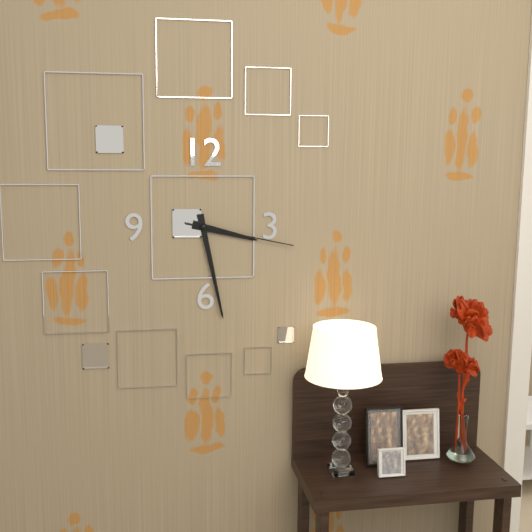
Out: {"hour": 3, "minute": 28, "second": 17}
